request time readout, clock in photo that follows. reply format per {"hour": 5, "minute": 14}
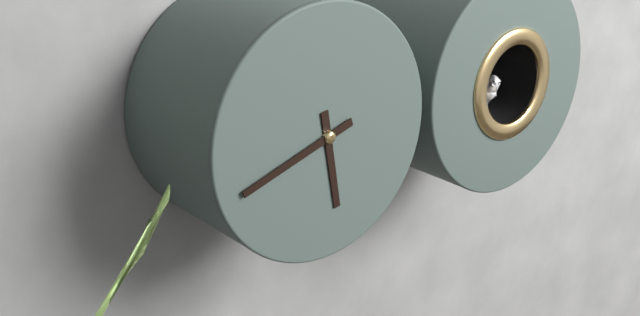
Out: {"hour": 5, "minute": 42}
